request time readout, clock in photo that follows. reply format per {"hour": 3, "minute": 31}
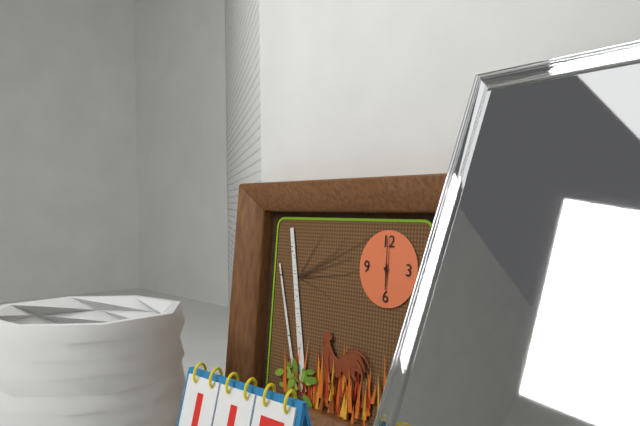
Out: {"hour": 6, "minute": 0}
